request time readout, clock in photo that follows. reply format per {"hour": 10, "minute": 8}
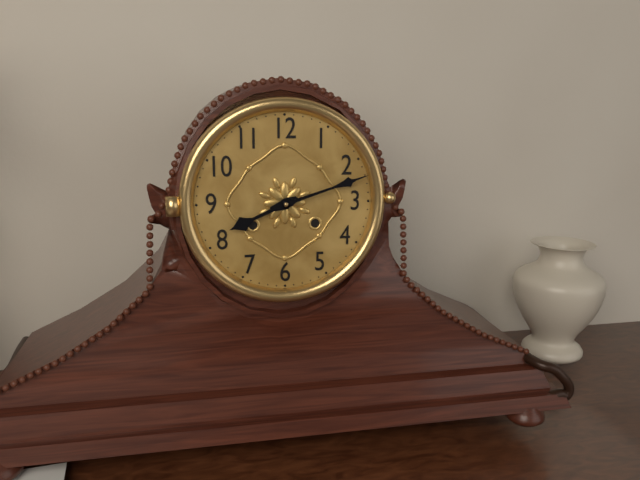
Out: {"hour": 8, "minute": 12}
